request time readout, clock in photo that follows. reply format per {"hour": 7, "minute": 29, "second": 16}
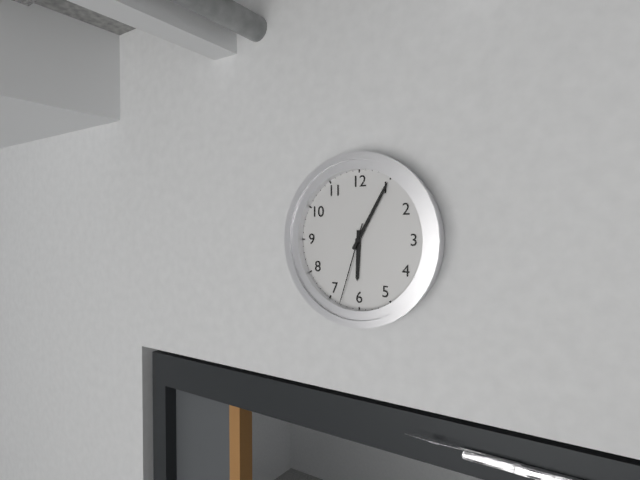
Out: {"hour": 6, "minute": 5, "second": 33}
